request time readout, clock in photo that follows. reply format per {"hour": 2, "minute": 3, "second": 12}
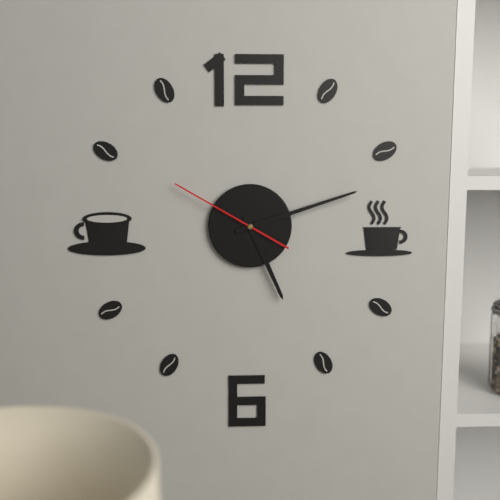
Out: {"hour": 5, "minute": 12, "second": 50}
